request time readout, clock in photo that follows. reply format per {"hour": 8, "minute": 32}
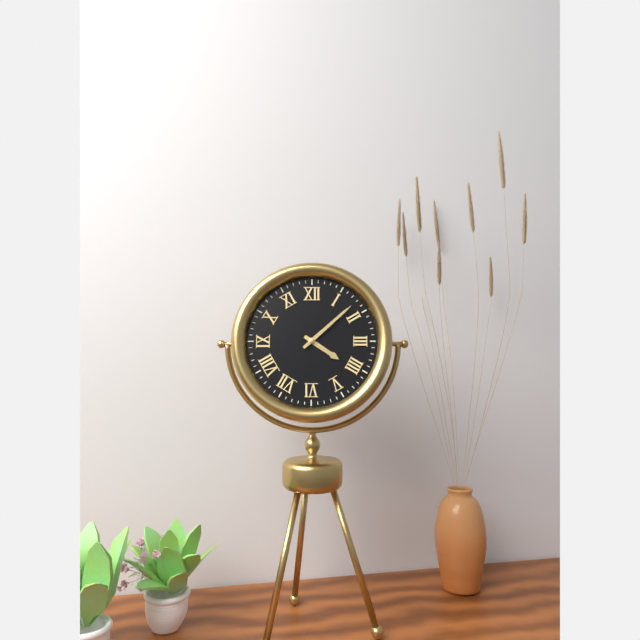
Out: {"hour": 4, "minute": 8}
